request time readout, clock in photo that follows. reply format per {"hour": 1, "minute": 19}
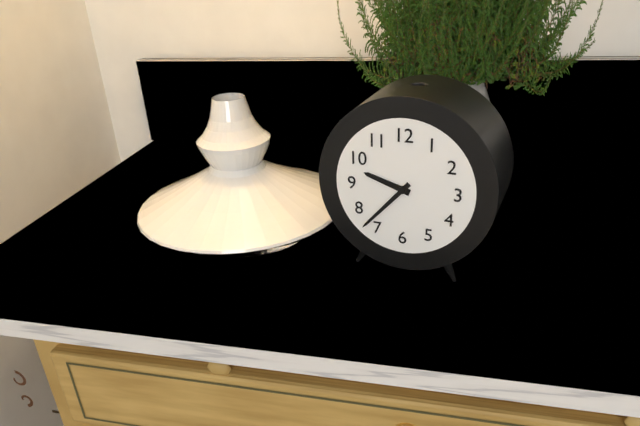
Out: {"hour": 9, "minute": 37}
